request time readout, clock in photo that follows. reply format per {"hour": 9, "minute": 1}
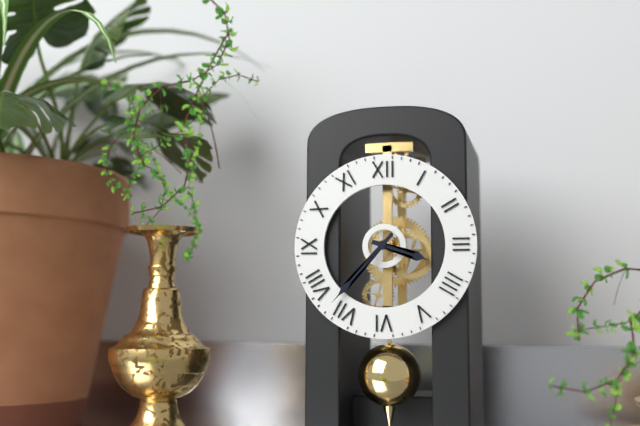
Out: {"hour": 3, "minute": 37}
